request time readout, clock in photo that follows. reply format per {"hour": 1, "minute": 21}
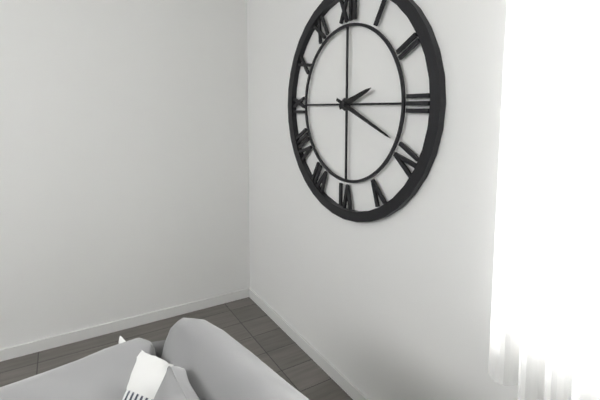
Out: {"hour": 2, "minute": 19}
